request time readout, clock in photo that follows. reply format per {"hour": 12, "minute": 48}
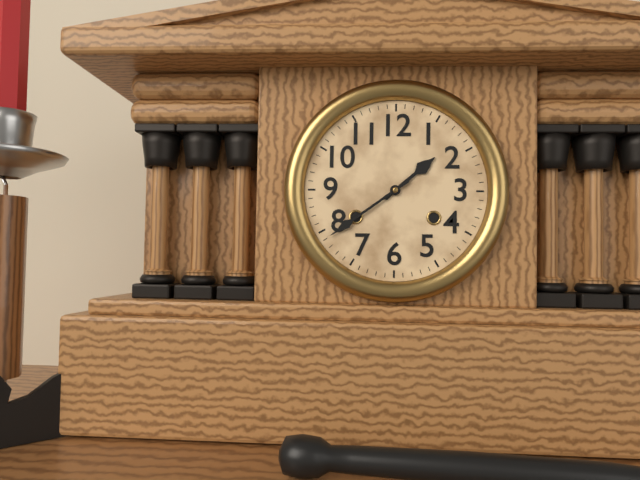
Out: {"hour": 1, "minute": 39}
